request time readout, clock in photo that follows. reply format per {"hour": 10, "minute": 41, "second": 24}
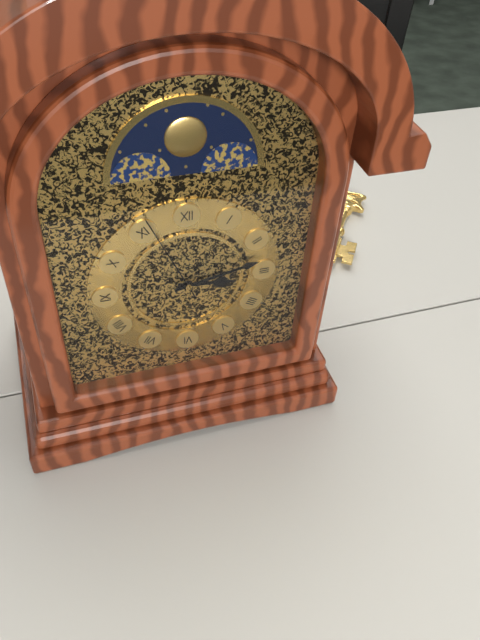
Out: {"hour": 3, "minute": 13, "second": 56}
